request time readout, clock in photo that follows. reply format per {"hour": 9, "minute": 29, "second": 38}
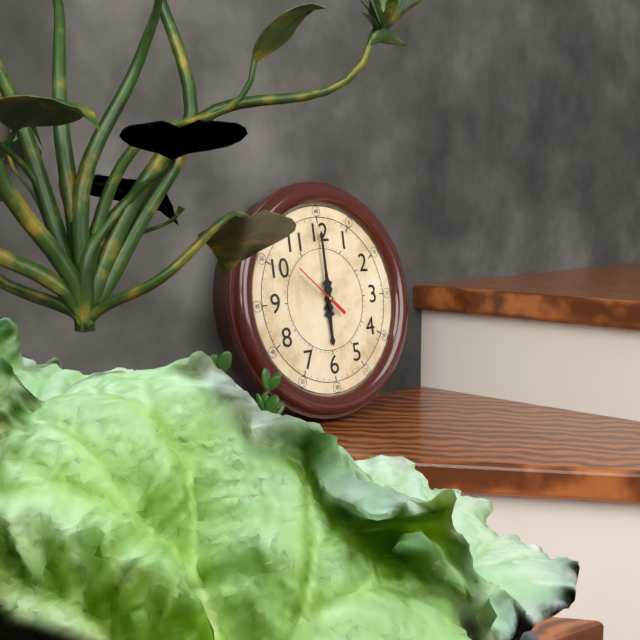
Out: {"hour": 6, "minute": 0, "second": 52}
